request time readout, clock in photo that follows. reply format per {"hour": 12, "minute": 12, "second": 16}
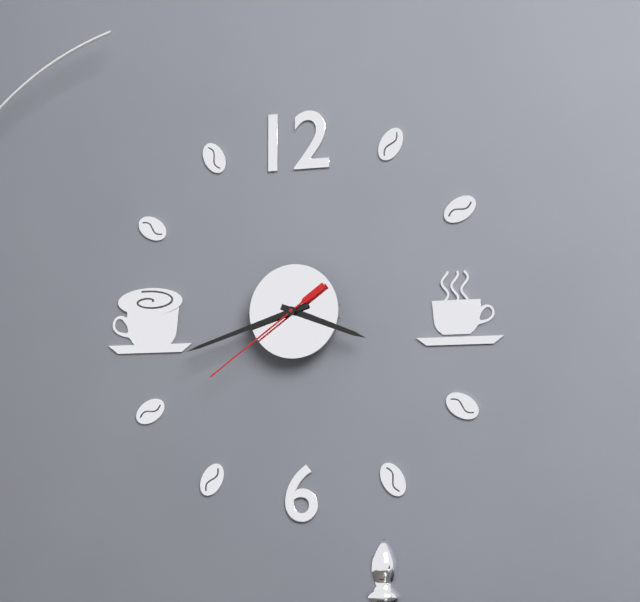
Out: {"hour": 3, "minute": 42, "second": 39}
